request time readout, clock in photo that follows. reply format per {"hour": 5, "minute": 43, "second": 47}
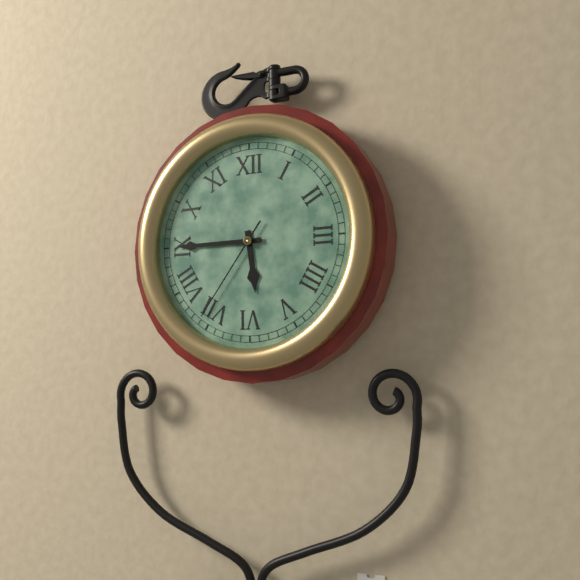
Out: {"hour": 5, "minute": 45, "second": 36}
